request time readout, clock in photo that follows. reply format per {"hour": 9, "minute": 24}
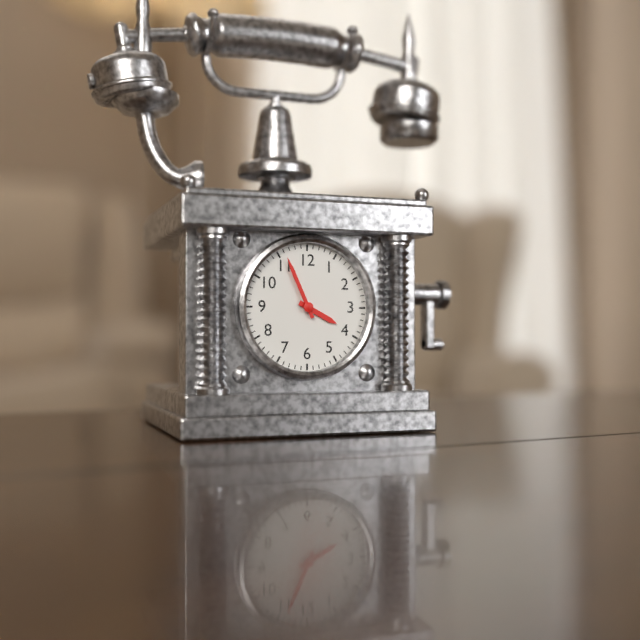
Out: {"hour": 3, "minute": 56}
